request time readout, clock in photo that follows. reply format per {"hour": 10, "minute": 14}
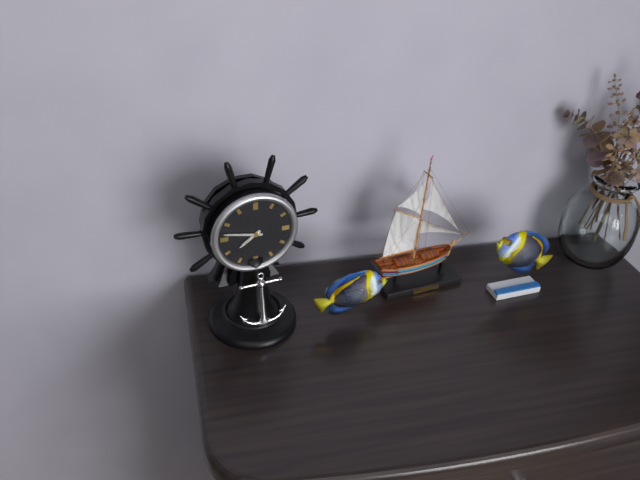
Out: {"hour": 7, "minute": 47}
